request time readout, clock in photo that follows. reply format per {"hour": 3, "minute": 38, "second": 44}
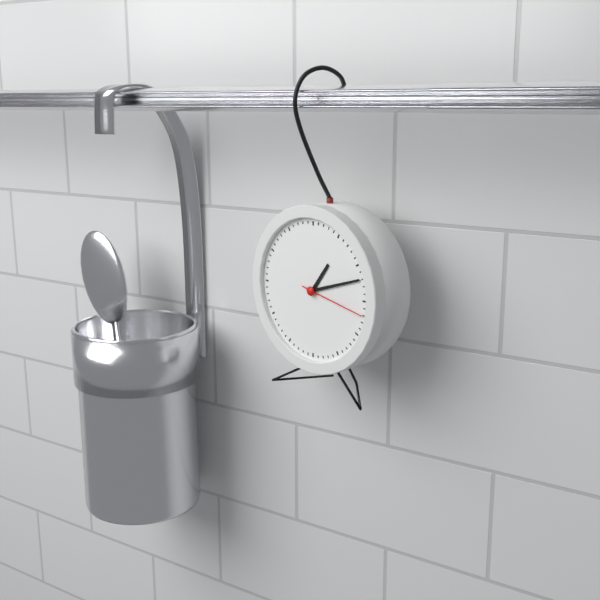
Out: {"hour": 1, "minute": 12, "second": 17}
